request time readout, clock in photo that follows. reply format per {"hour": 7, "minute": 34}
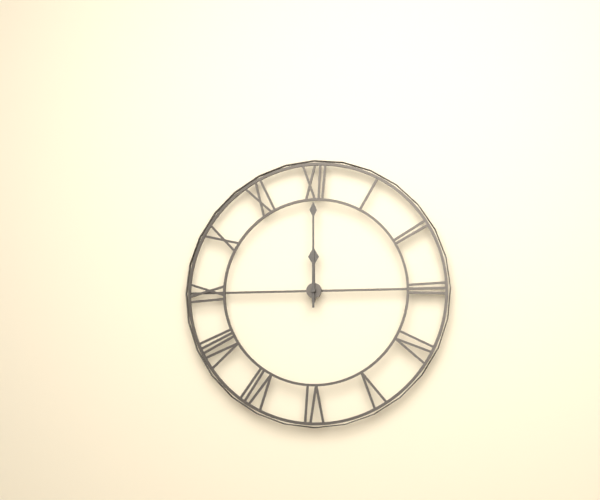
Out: {"hour": 12, "minute": 0}
